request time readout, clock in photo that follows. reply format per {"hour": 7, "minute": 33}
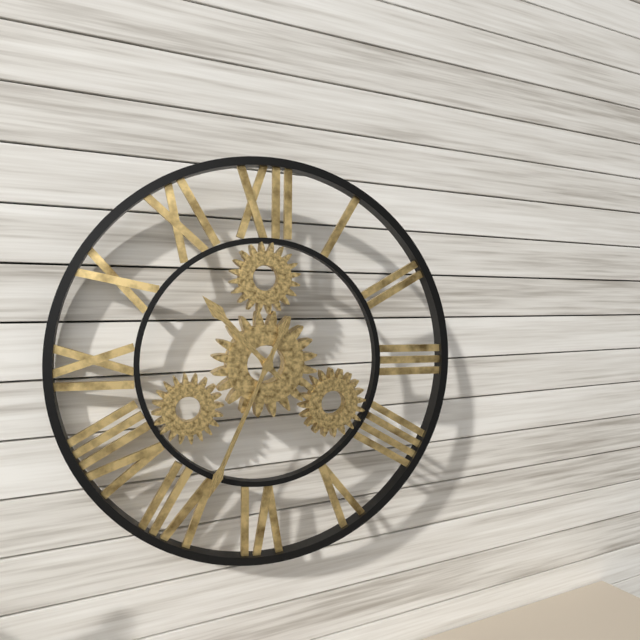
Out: {"hour": 10, "minute": 34}
